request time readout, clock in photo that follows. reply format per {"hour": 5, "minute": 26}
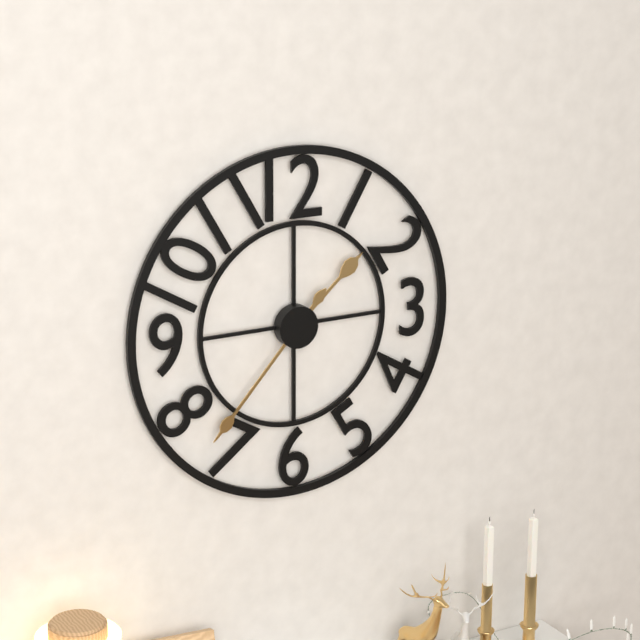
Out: {"hour": 1, "minute": 37}
